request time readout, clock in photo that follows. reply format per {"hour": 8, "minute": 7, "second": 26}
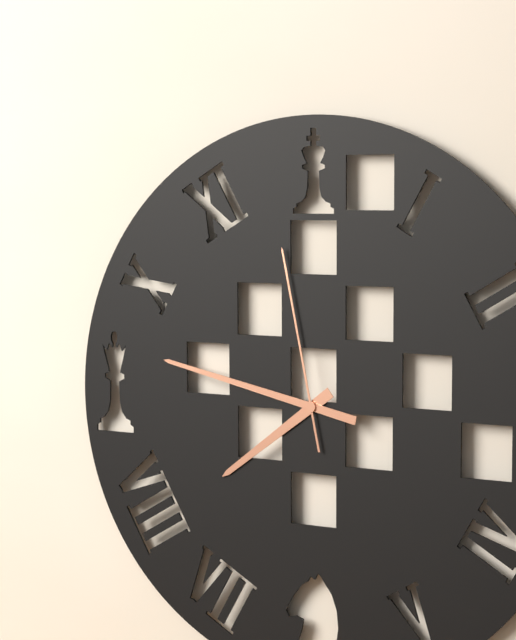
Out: {"hour": 7, "minute": 47, "second": 58}
